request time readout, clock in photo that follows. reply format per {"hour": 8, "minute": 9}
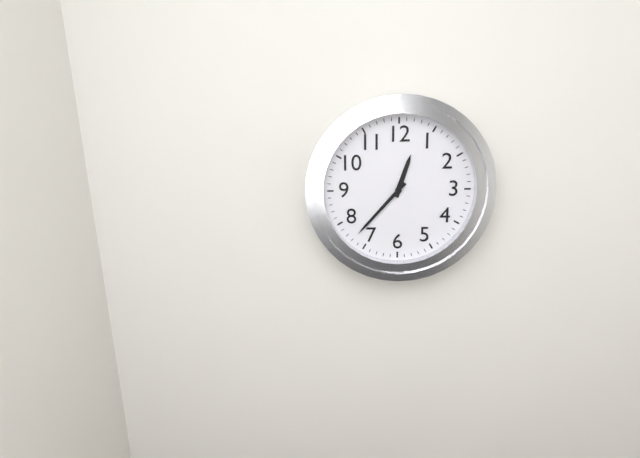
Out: {"hour": 12, "minute": 37}
